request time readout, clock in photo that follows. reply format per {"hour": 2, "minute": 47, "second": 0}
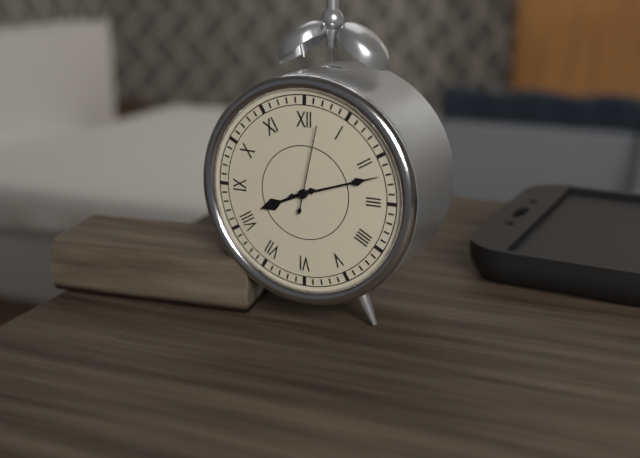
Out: {"hour": 8, "minute": 12, "second": 2}
